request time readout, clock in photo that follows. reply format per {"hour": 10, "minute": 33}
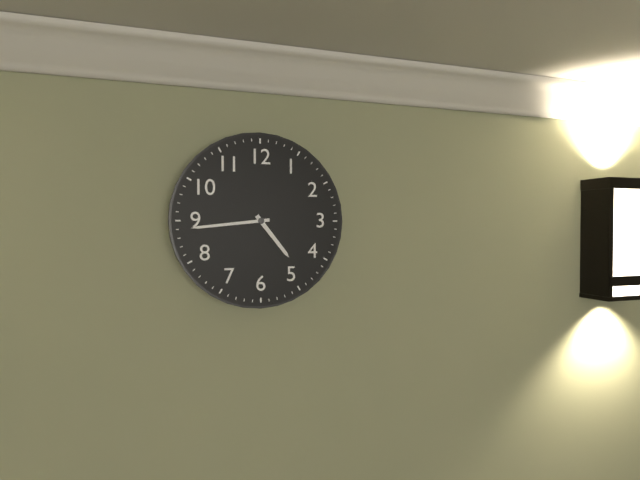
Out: {"hour": 4, "minute": 44}
